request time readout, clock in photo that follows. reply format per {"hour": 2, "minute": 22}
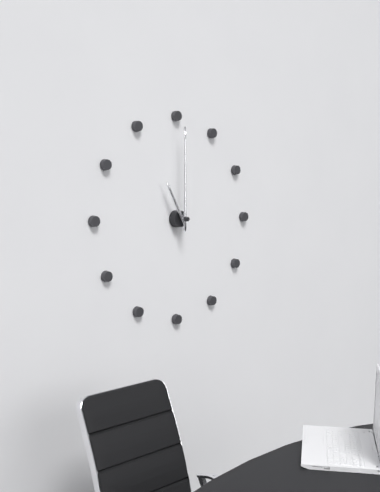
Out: {"hour": 11, "minute": 0}
